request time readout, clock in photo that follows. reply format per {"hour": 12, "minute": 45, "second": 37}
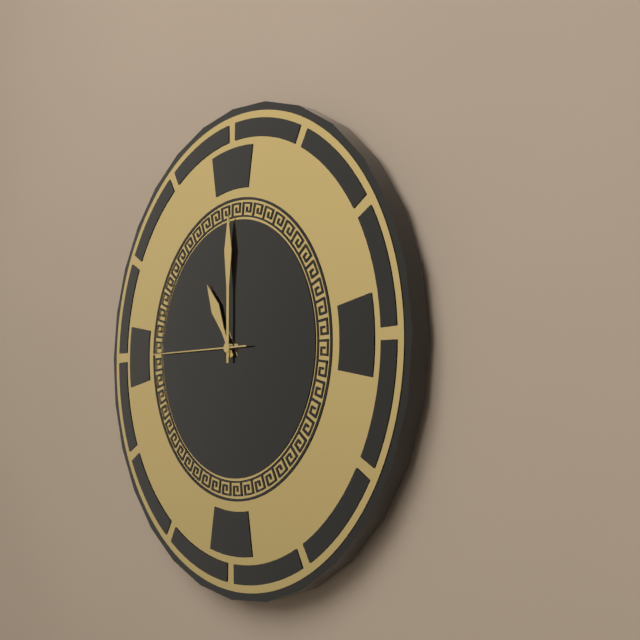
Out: {"hour": 11, "minute": 0, "second": 45}
